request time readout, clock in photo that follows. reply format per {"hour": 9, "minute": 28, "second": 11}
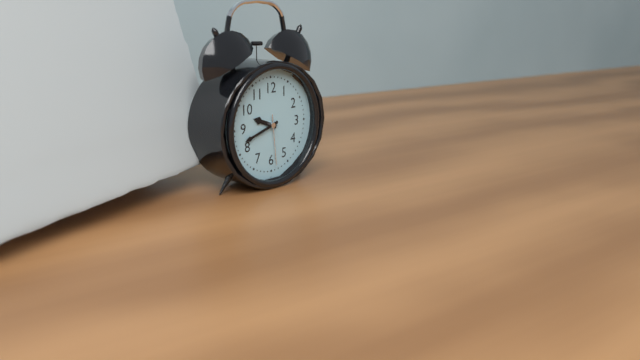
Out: {"hour": 9, "minute": 42, "second": 29}
